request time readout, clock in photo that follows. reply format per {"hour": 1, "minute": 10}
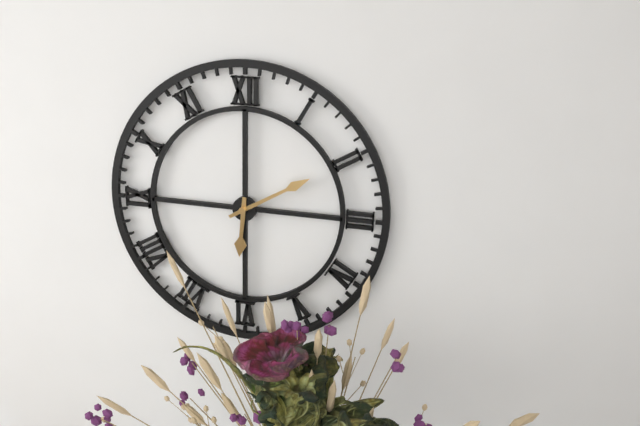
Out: {"hour": 6, "minute": 10}
